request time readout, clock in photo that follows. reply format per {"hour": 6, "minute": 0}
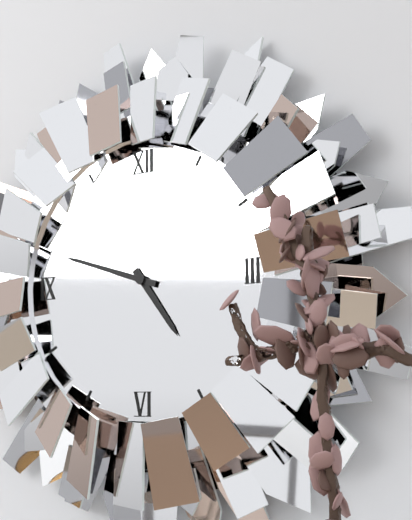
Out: {"hour": 4, "minute": 48}
